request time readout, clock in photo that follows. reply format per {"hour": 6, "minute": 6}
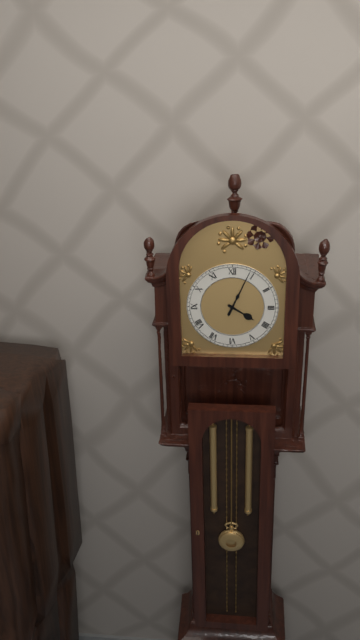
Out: {"hour": 4, "minute": 4}
